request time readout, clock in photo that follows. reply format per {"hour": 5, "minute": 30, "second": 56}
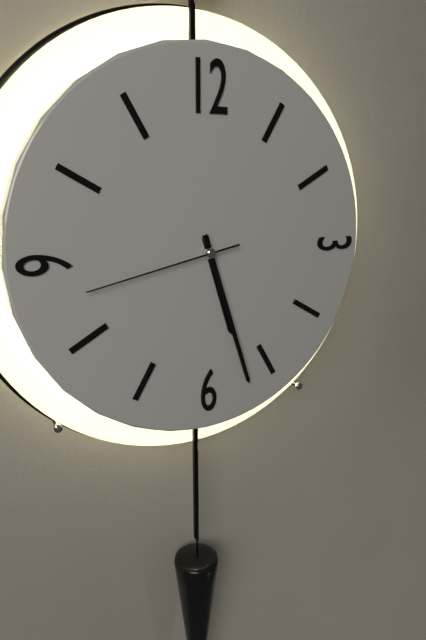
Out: {"hour": 5, "minute": 27, "second": 43}
